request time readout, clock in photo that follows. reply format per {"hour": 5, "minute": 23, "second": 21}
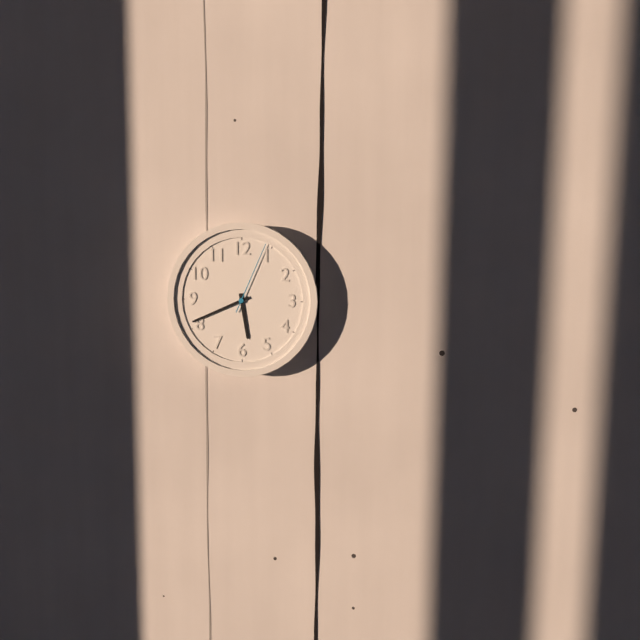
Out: {"hour": 5, "minute": 41, "second": 4}
